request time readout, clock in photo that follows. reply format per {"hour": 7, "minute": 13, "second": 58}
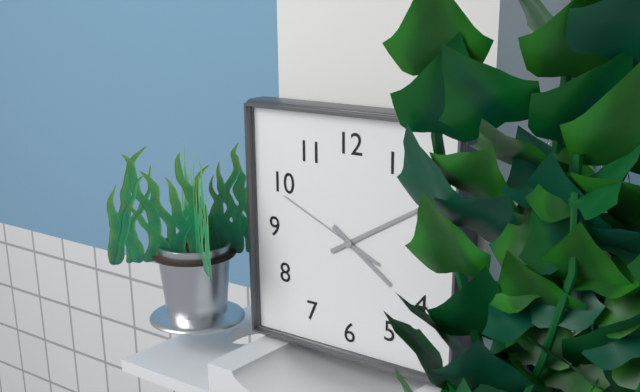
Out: {"hour": 4, "minute": 10, "second": 49}
